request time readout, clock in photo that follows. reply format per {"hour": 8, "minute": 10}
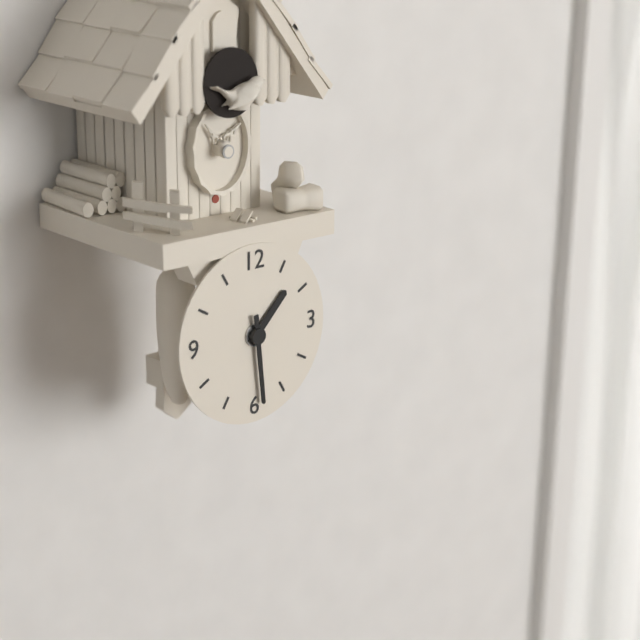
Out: {"hour": 1, "minute": 29}
